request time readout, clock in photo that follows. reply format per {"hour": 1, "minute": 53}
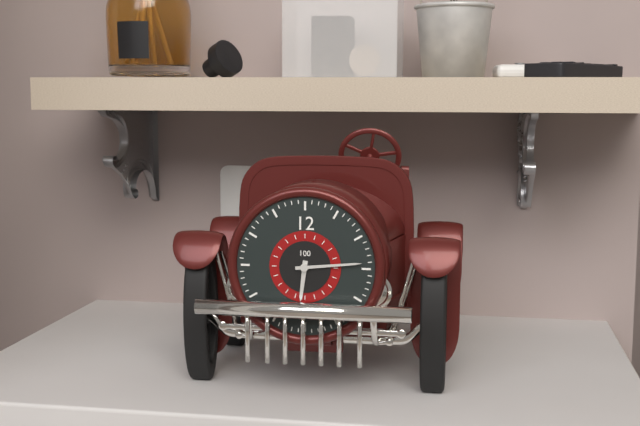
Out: {"hour": 6, "minute": 14}
